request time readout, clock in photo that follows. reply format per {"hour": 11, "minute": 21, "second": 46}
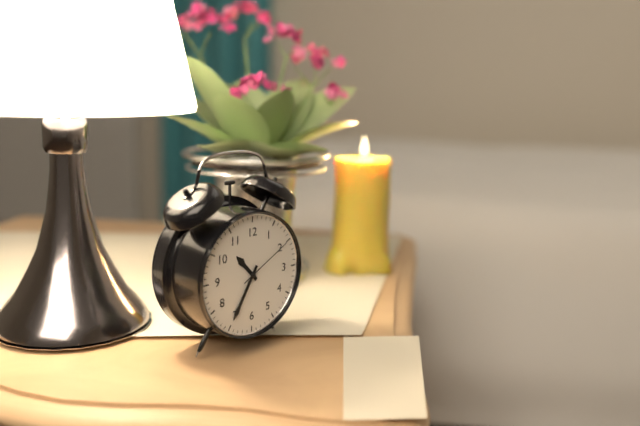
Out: {"hour": 10, "minute": 35, "second": 10}
